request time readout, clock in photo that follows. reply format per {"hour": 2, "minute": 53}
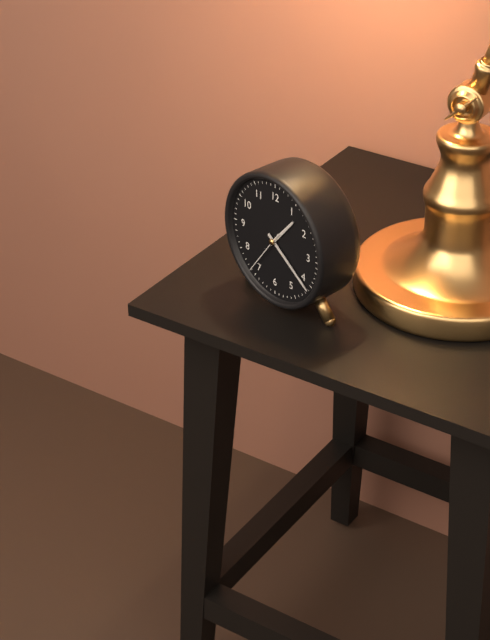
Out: {"hour": 1, "minute": 21}
